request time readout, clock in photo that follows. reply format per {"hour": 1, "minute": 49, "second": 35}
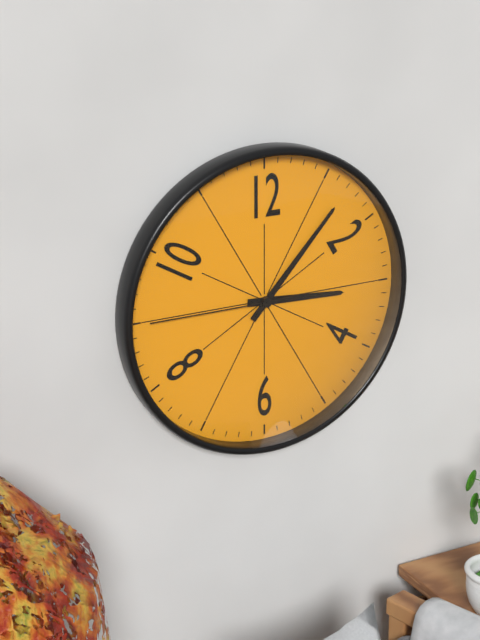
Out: {"hour": 3, "minute": 7, "second": 45}
